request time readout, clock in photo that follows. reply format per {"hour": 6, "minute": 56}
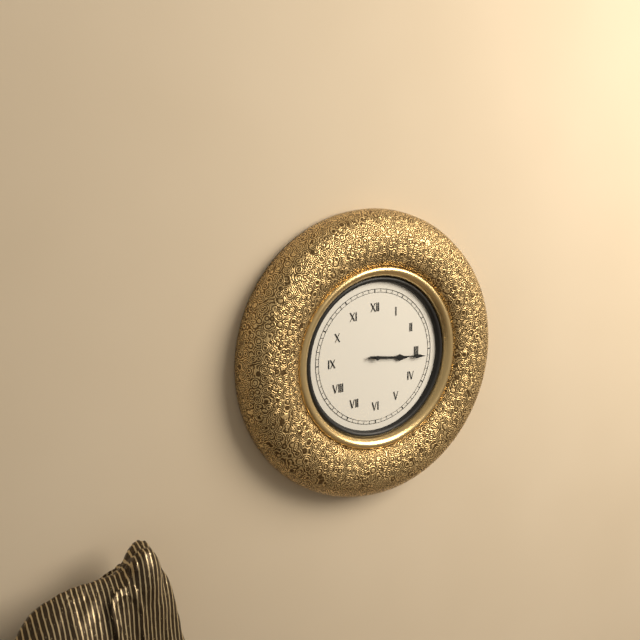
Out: {"hour": 3, "minute": 16}
